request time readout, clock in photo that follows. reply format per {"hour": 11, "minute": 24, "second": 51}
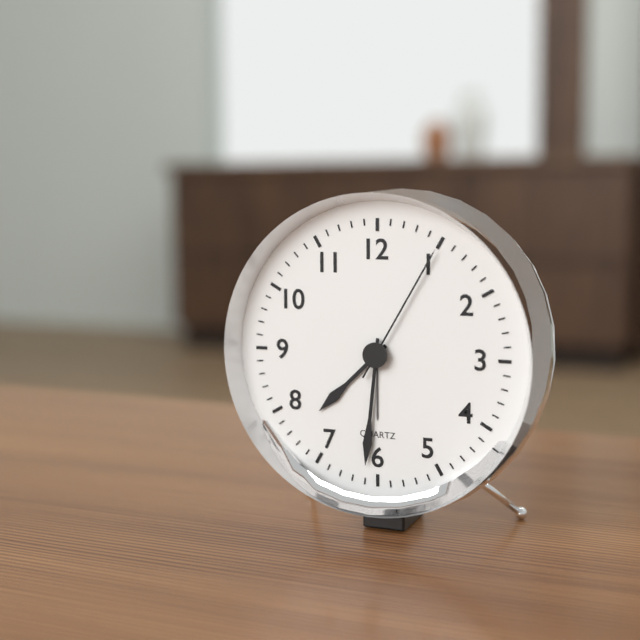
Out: {"hour": 7, "minute": 31, "second": 5}
